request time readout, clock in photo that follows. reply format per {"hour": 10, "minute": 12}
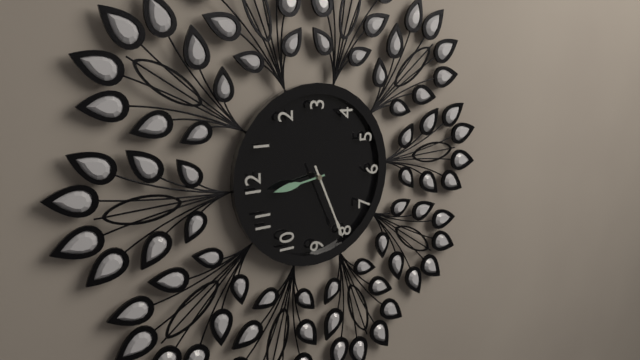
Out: {"hour": 11, "minute": 41}
